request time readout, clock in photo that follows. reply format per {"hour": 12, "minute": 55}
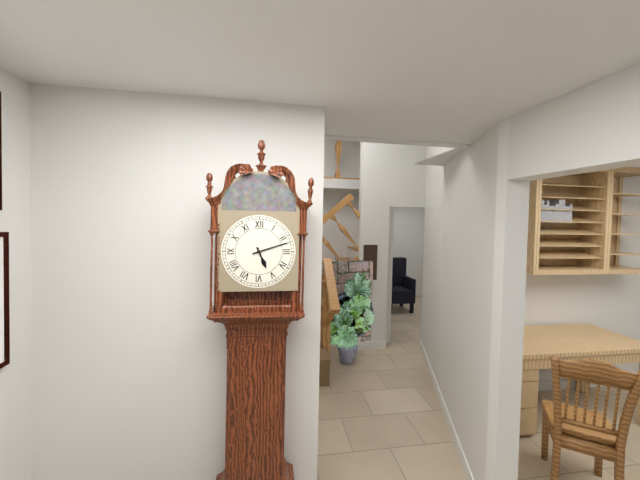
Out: {"hour": 5, "minute": 12}
